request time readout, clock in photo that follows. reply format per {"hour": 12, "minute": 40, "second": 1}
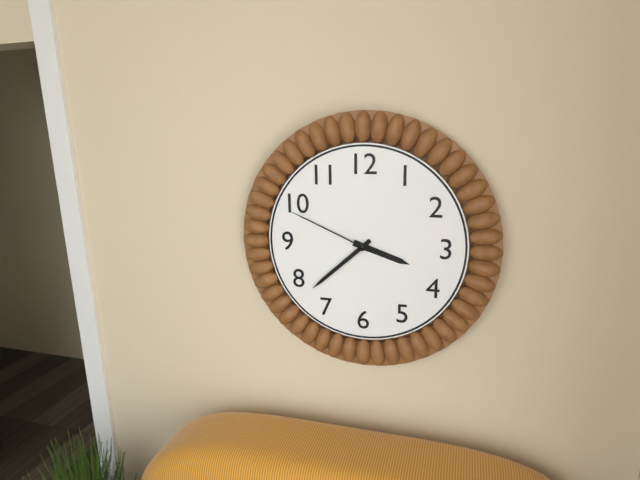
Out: {"hour": 3, "minute": 38, "second": 49}
